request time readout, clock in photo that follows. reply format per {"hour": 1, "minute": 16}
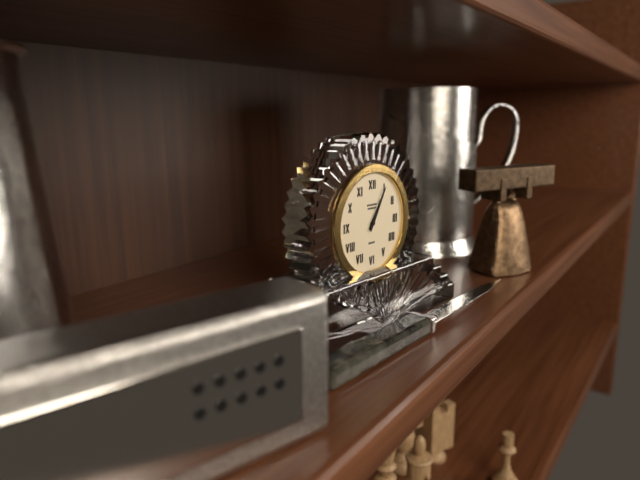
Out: {"hour": 1, "minute": 5}
